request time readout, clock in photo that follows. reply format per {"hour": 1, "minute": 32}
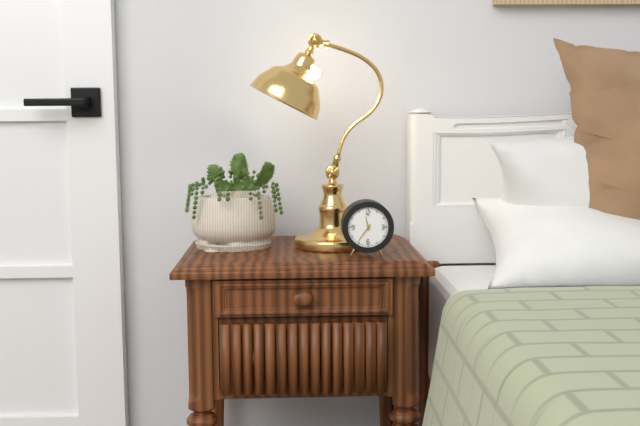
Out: {"hour": 11, "minute": 36}
